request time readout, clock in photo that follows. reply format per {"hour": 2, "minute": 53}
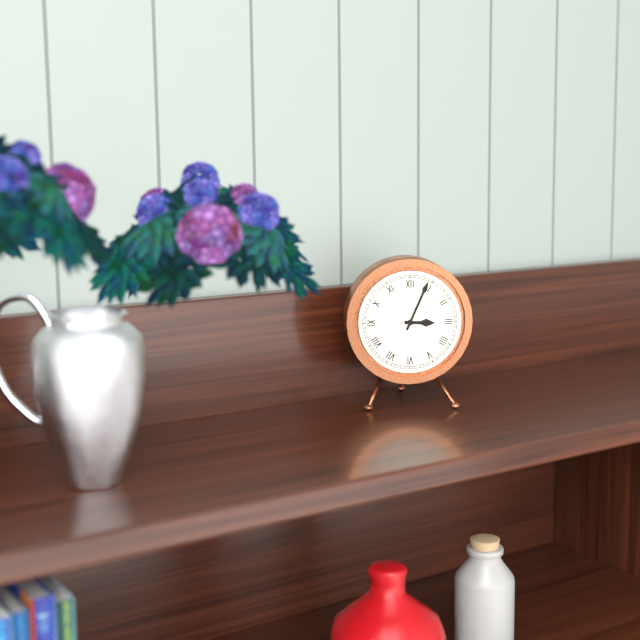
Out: {"hour": 3, "minute": 4}
